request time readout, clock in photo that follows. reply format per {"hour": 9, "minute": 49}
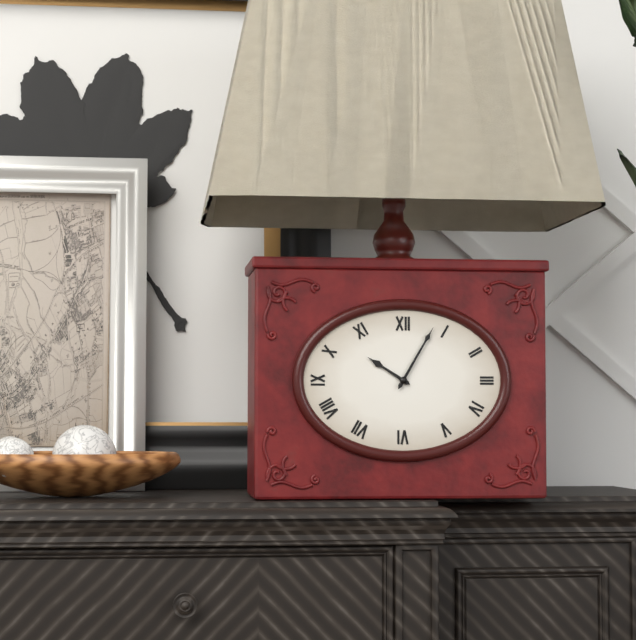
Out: {"hour": 10, "minute": 5}
